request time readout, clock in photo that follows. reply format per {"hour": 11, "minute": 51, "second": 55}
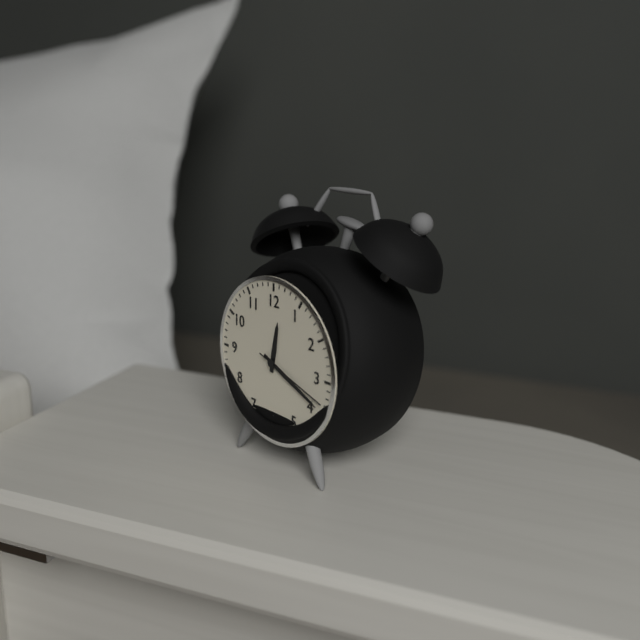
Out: {"hour": 12, "minute": 19, "second": 18}
